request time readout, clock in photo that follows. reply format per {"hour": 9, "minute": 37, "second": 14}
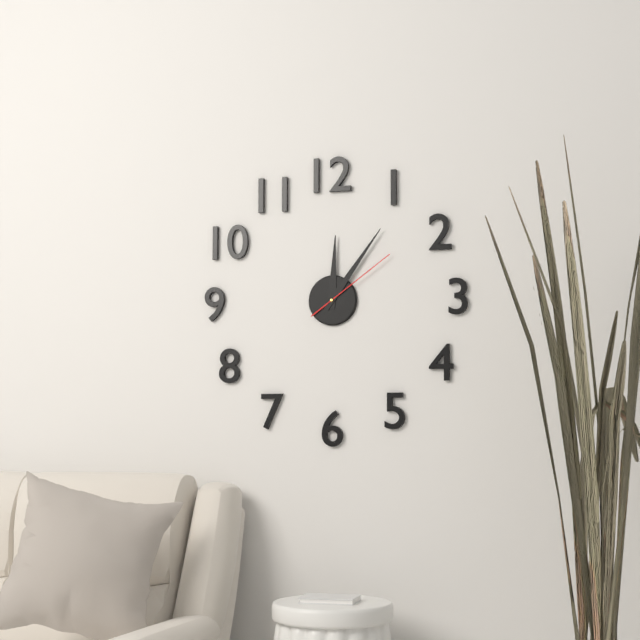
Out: {"hour": 12, "minute": 6, "second": 9}
